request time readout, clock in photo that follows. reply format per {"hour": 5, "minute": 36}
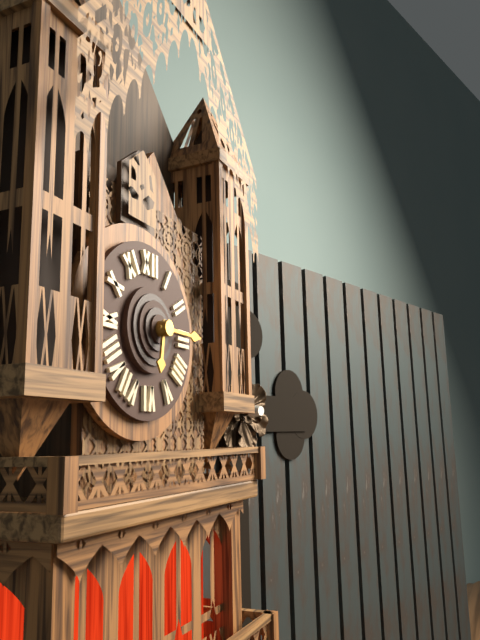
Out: {"hour": 6, "minute": 15}
